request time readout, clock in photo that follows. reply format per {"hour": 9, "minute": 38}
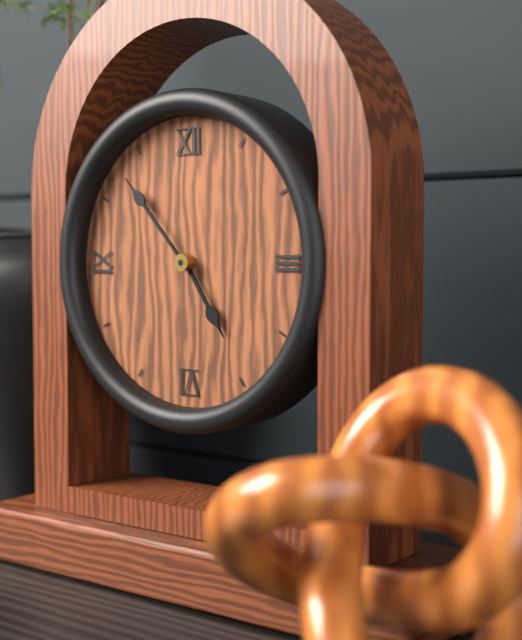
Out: {"hour": 4, "minute": 53}
